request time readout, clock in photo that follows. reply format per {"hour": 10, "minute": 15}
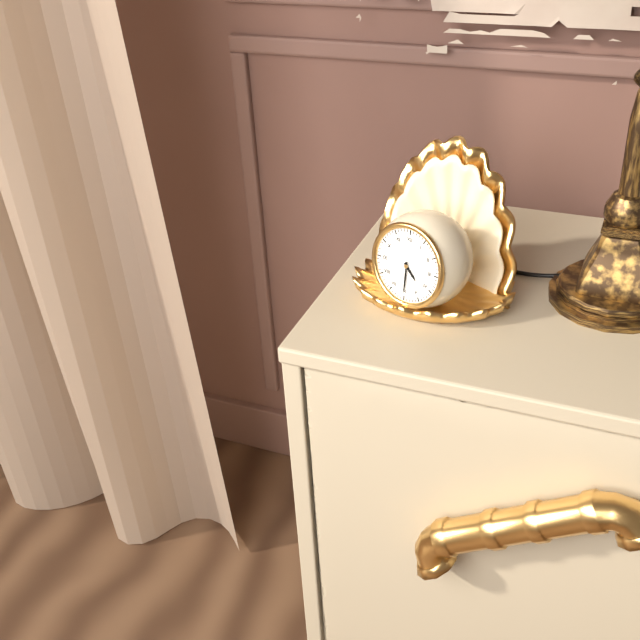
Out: {"hour": 4, "minute": 30}
